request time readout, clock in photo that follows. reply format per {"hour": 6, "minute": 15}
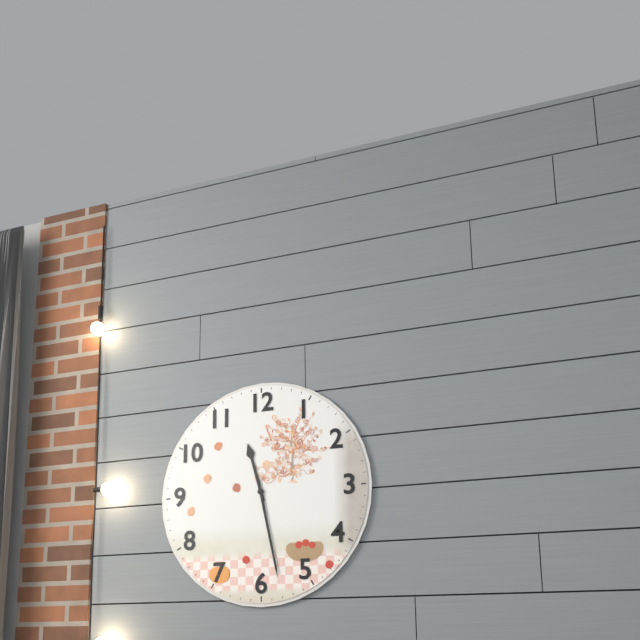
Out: {"hour": 11, "minute": 28}
